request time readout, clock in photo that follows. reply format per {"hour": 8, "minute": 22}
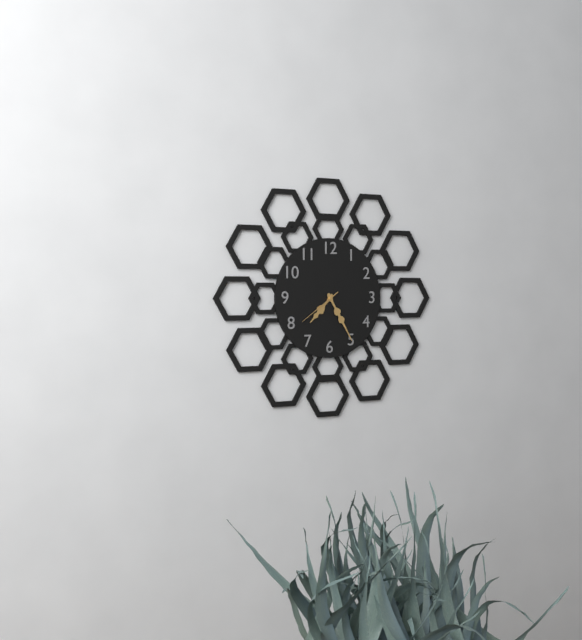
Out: {"hour": 7, "minute": 25}
